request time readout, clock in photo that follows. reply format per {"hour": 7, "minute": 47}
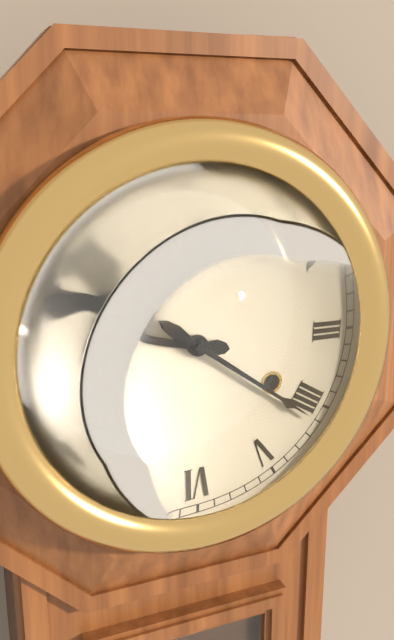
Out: {"hour": 9, "minute": 21}
